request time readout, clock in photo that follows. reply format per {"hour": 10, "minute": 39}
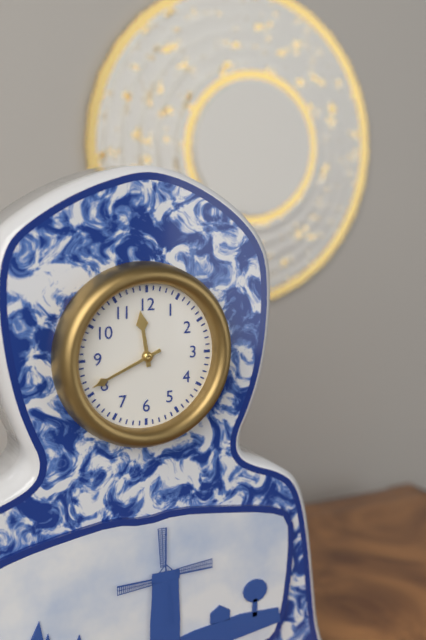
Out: {"hour": 11, "minute": 41}
